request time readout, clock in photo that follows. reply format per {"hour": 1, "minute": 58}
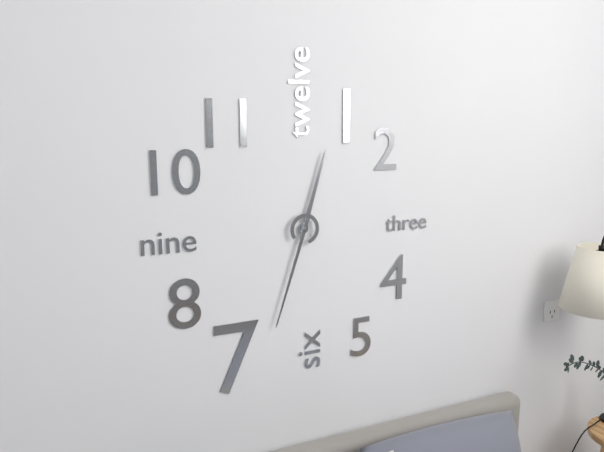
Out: {"hour": 12, "minute": 33}
